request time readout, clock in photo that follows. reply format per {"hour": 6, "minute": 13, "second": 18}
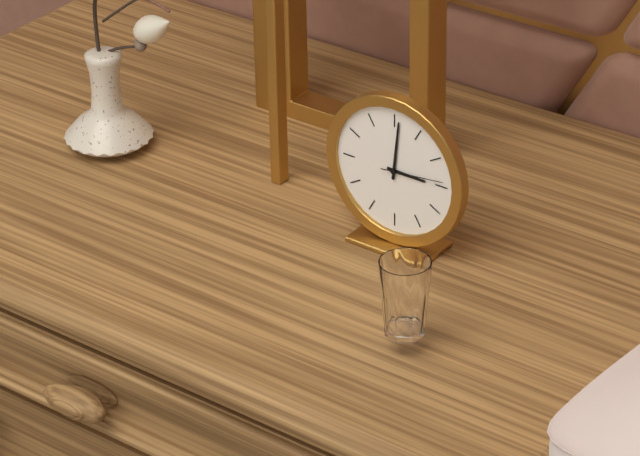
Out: {"hour": 3, "minute": 1, "second": 14}
